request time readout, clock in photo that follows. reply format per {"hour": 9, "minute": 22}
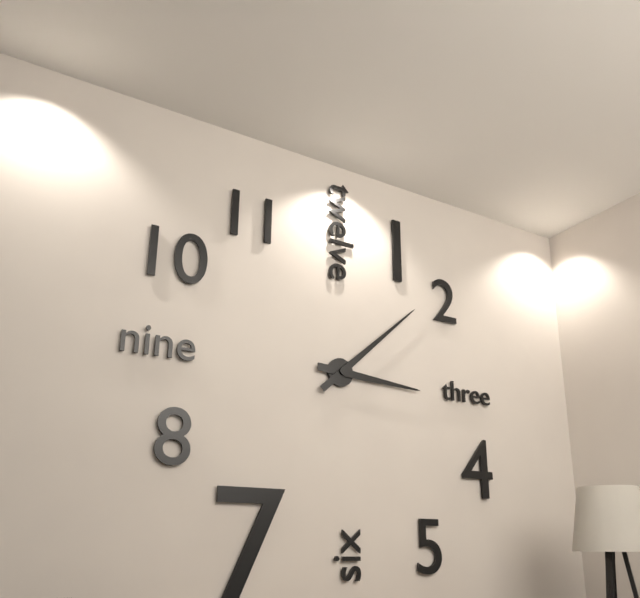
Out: {"hour": 3, "minute": 8}
